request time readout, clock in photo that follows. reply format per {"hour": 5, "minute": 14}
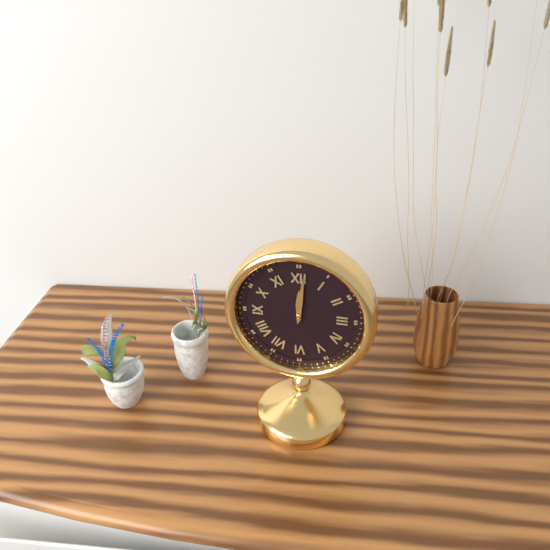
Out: {"hour": 12, "minute": 1}
